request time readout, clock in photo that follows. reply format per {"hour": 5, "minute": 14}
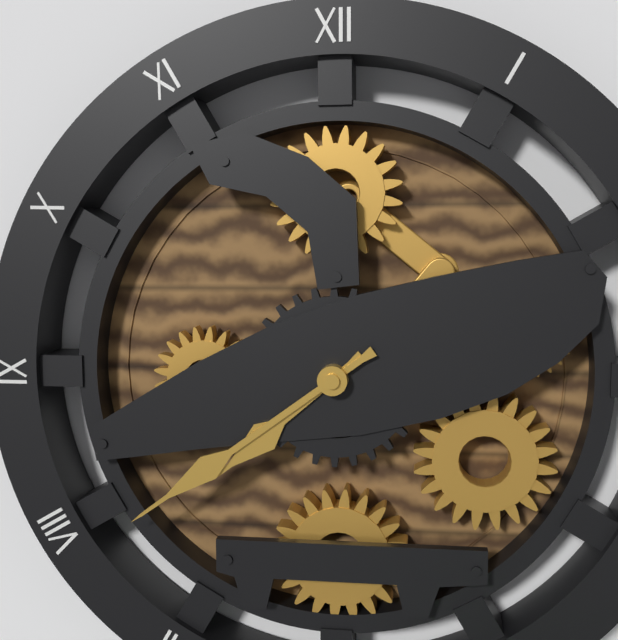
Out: {"hour": 7, "minute": 39}
